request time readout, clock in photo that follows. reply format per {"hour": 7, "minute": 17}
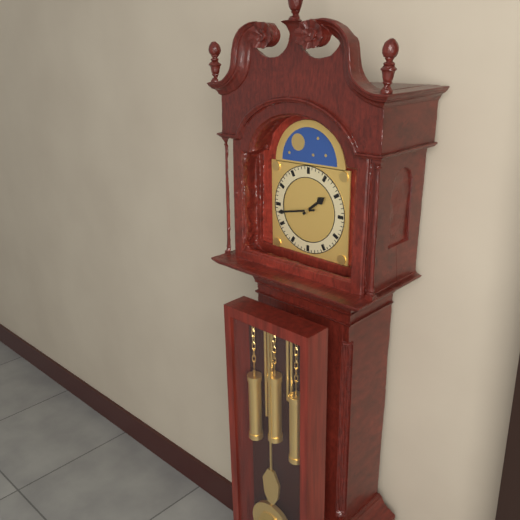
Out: {"hour": 1, "minute": 43}
